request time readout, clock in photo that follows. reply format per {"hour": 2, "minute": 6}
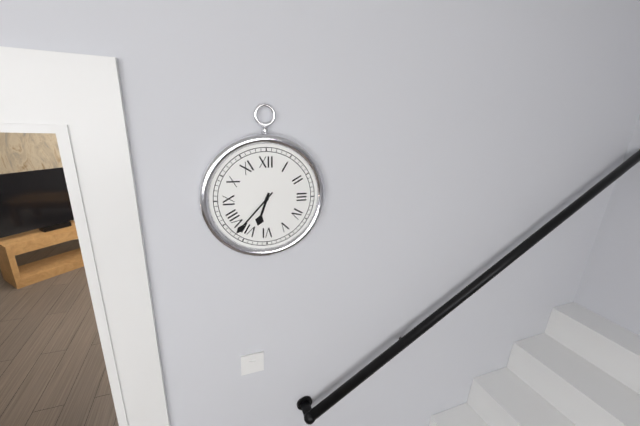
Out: {"hour": 6, "minute": 37}
